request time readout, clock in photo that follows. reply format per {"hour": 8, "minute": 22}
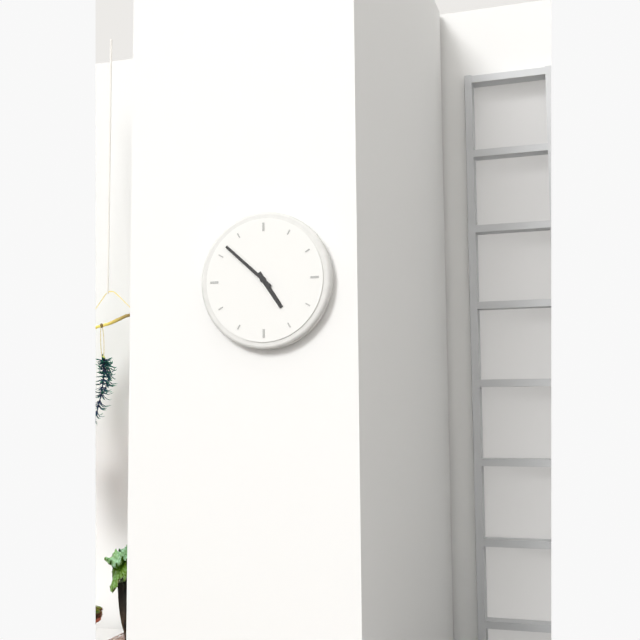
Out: {"hour": 4, "minute": 52}
